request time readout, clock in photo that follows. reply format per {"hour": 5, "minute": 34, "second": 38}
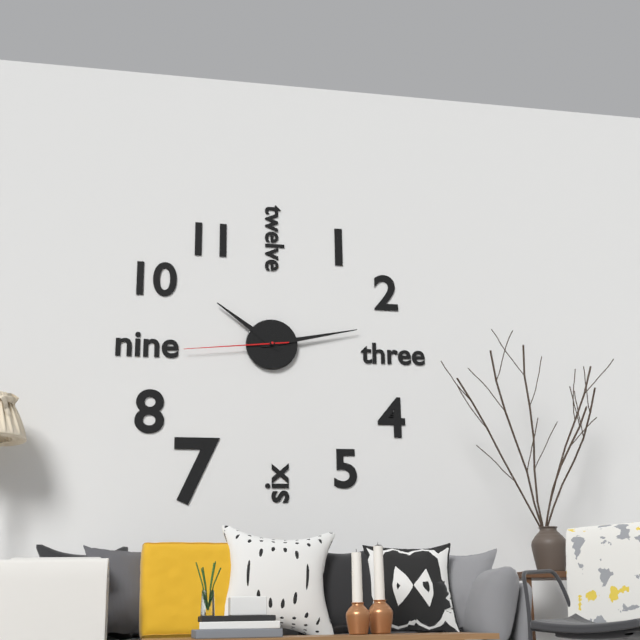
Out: {"hour": 10, "minute": 13, "second": 44}
